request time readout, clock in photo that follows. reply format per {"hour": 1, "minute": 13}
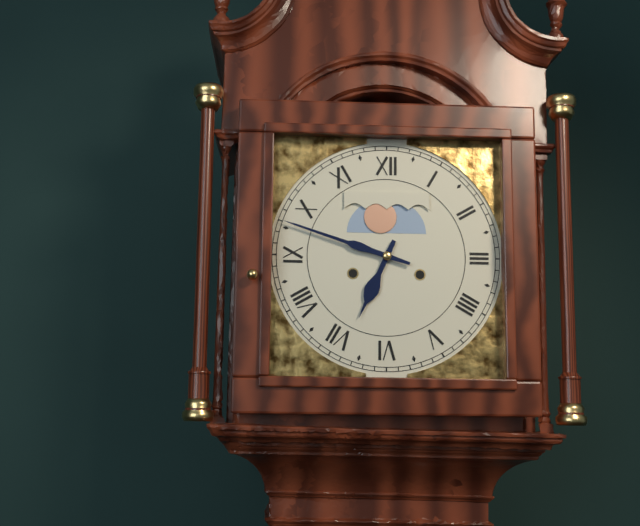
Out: {"hour": 6, "minute": 48}
